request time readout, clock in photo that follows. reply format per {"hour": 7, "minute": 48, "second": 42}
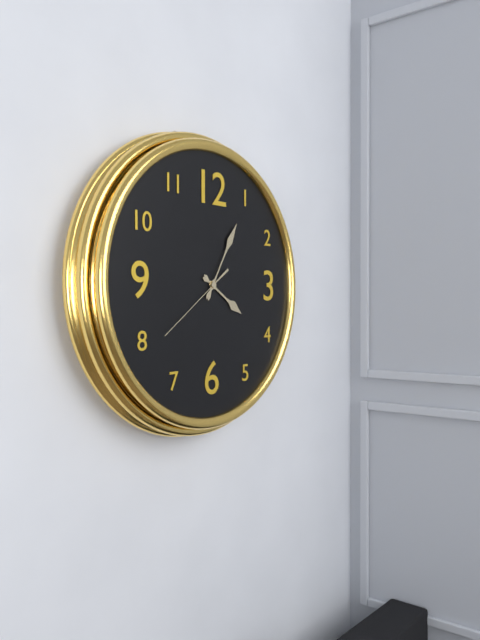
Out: {"hour": 4, "minute": 5, "second": 39}
